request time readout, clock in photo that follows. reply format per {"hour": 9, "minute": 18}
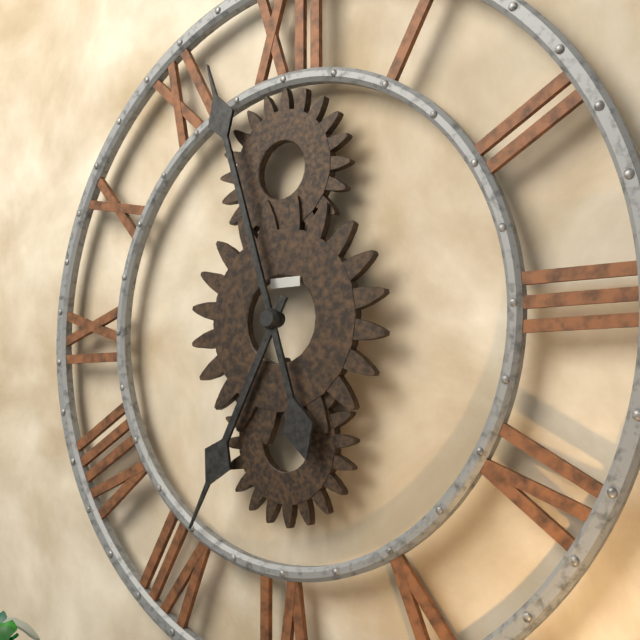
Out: {"hour": 6, "minute": 57}
